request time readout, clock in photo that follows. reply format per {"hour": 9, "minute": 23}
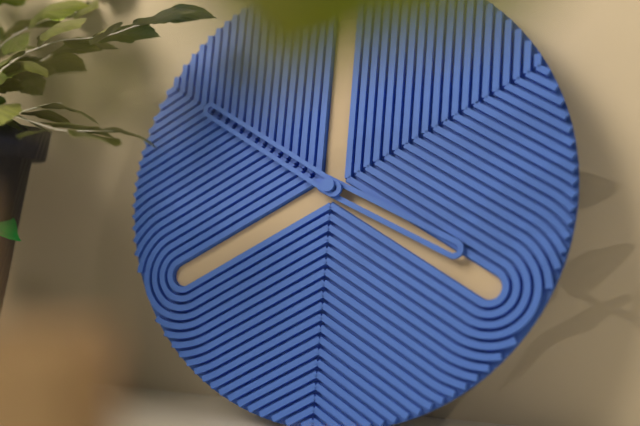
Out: {"hour": 3, "minute": 50}
